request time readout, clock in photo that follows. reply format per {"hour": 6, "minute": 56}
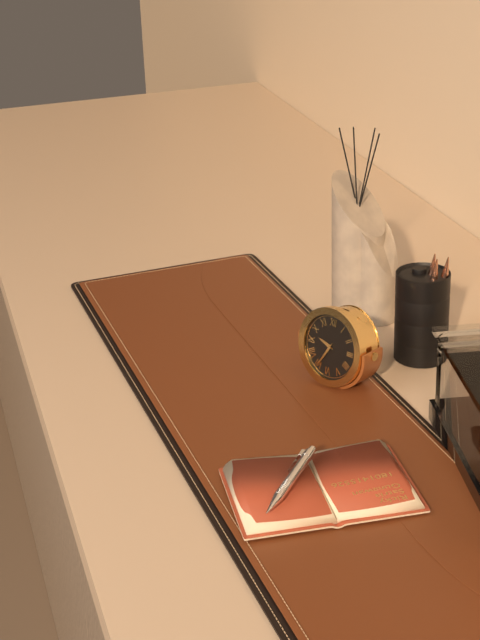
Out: {"hour": 9, "minute": 35}
